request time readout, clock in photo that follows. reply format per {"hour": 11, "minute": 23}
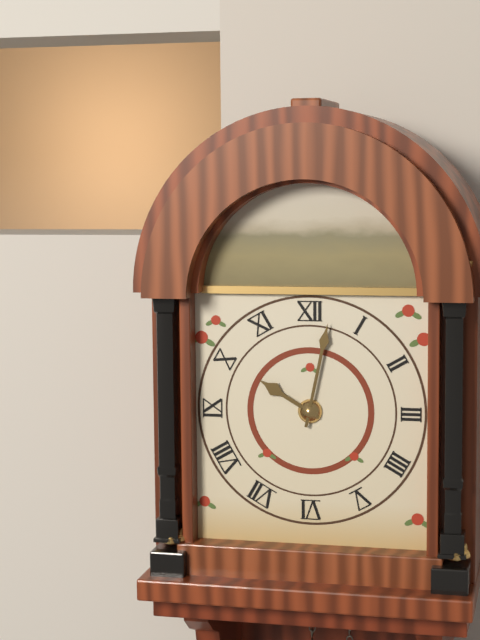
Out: {"hour": 10, "minute": 2}
